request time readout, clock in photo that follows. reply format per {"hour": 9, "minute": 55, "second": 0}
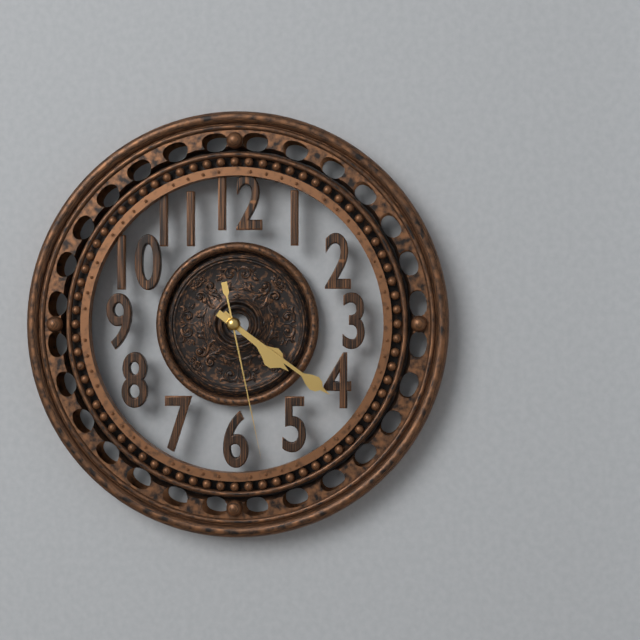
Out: {"hour": 4, "minute": 21, "second": 28}
